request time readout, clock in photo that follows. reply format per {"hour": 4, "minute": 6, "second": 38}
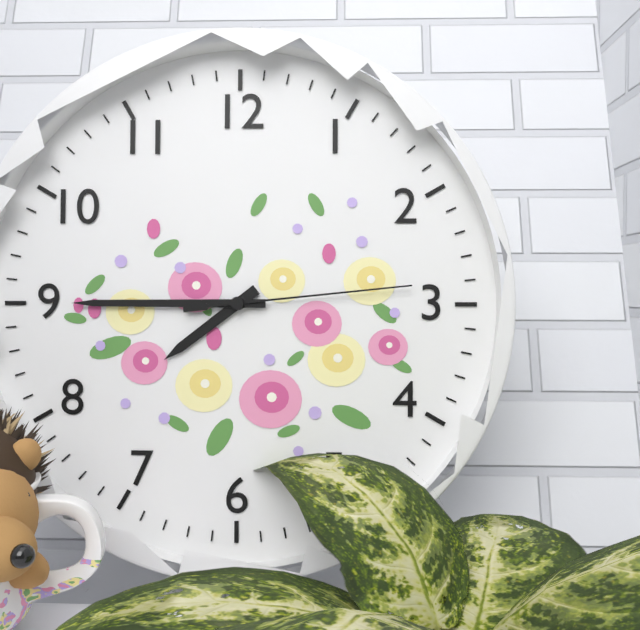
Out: {"hour": 7, "minute": 45, "second": 14}
